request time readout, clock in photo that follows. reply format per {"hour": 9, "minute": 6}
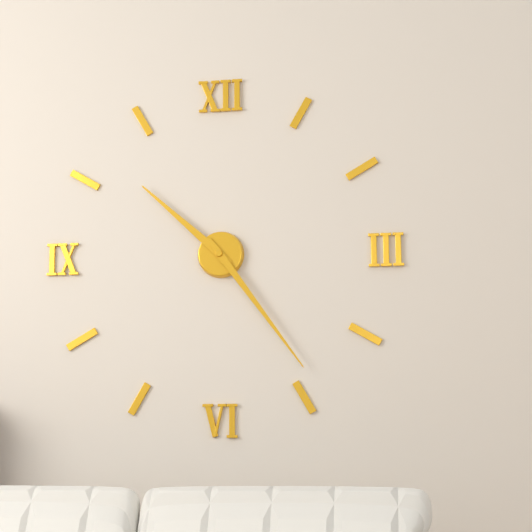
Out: {"hour": 10, "minute": 24}
